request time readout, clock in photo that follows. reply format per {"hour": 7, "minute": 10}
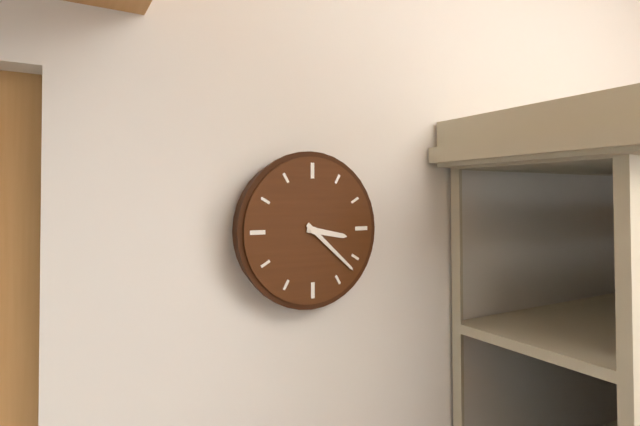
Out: {"hour": 3, "minute": 22}
